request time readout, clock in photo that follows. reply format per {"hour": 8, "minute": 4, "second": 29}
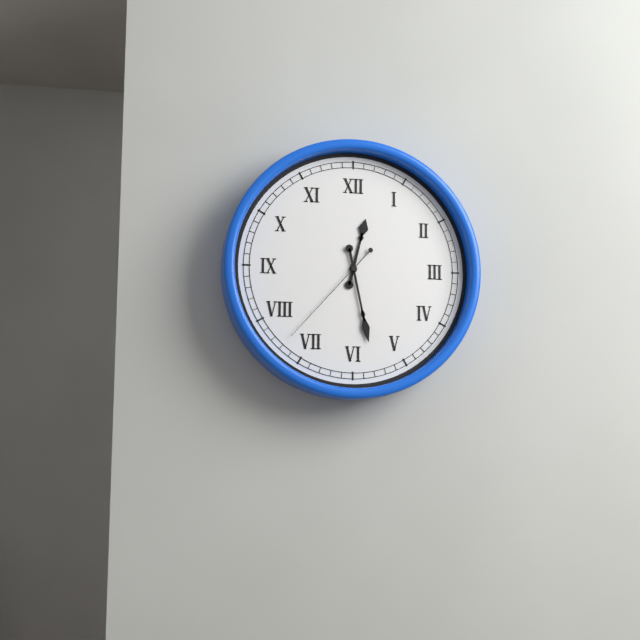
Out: {"hour": 12, "minute": 28, "second": 37}
